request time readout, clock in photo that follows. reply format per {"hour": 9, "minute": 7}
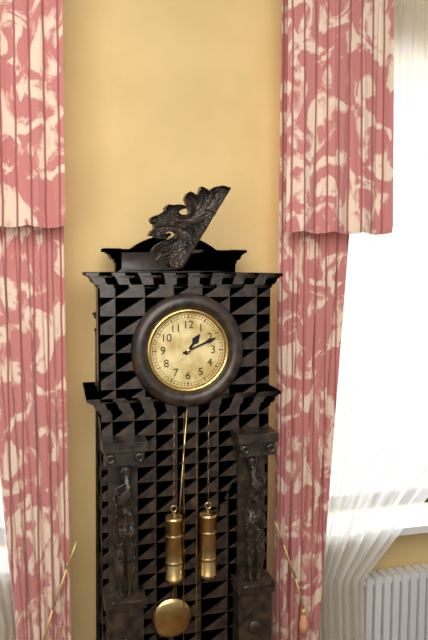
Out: {"hour": 1, "minute": 11}
